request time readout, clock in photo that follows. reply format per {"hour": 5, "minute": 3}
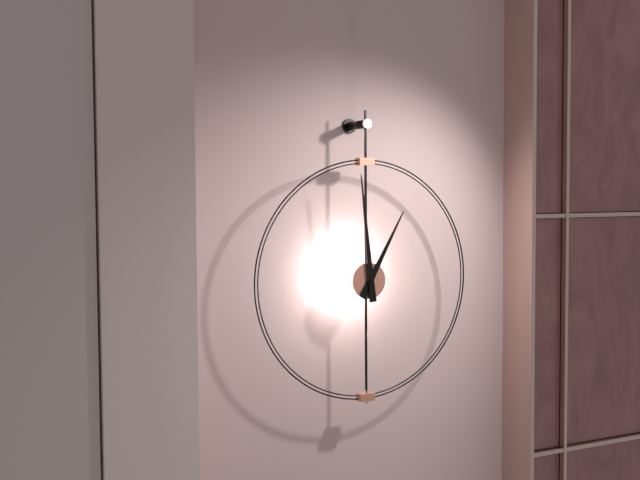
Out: {"hour": 12, "minute": 59}
